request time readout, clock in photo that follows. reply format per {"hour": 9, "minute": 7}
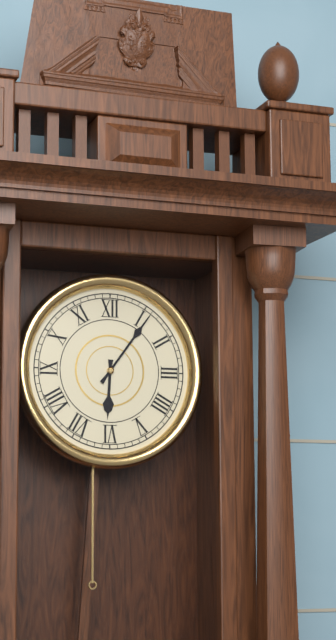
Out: {"hour": 6, "minute": 6}
